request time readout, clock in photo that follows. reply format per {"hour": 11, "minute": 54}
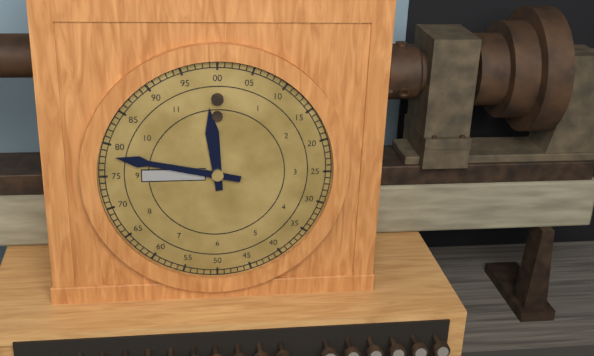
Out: {"hour": 11, "minute": 47}
